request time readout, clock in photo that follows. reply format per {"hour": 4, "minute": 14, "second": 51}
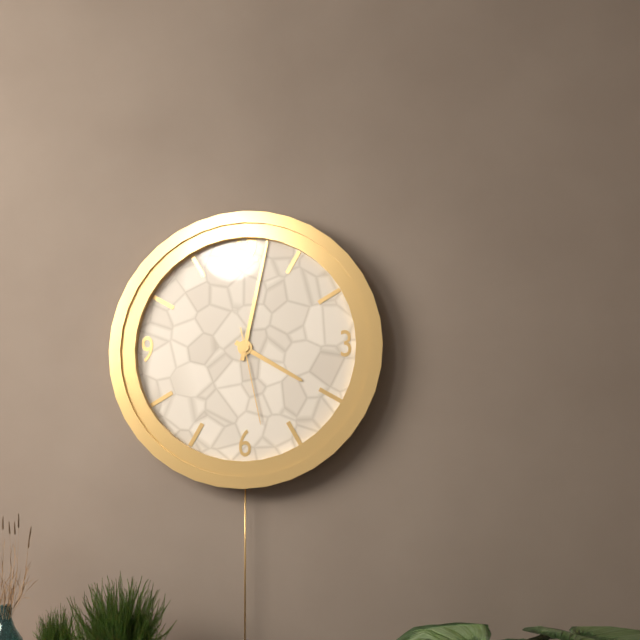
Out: {"hour": 4, "minute": 2, "second": 28}
